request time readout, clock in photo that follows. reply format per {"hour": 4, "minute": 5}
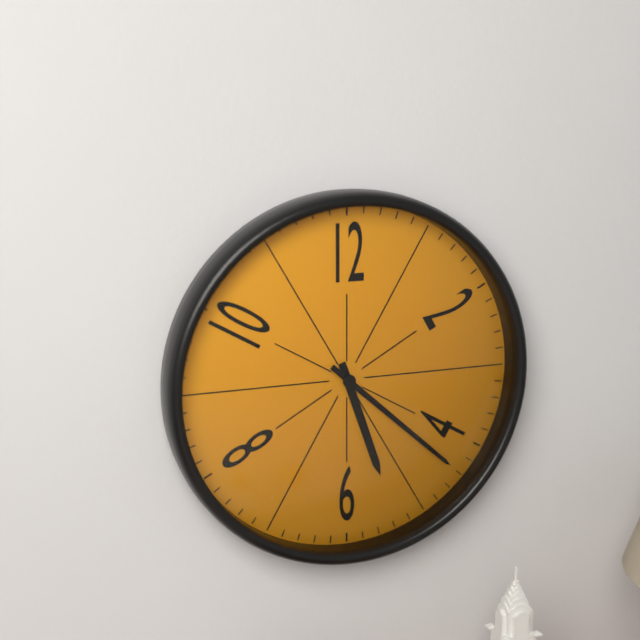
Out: {"hour": 5, "minute": 22}
